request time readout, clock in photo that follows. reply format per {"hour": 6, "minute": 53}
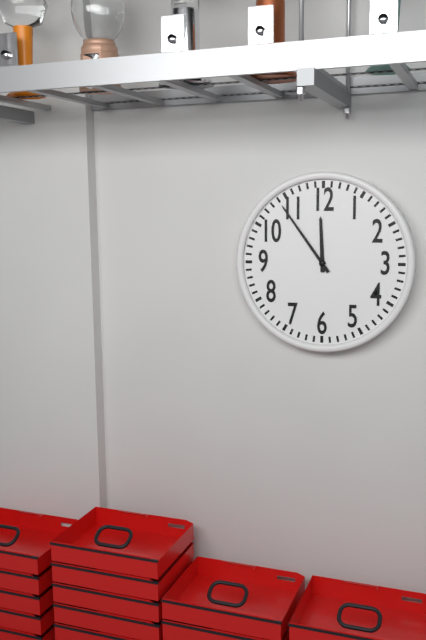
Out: {"hour": 11, "minute": 54}
